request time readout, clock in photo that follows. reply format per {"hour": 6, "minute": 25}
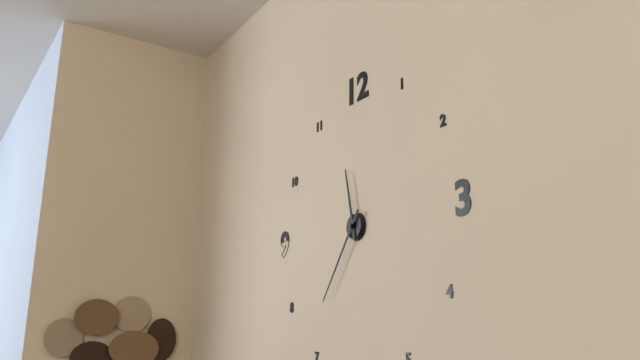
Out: {"hour": 11, "minute": 36}
